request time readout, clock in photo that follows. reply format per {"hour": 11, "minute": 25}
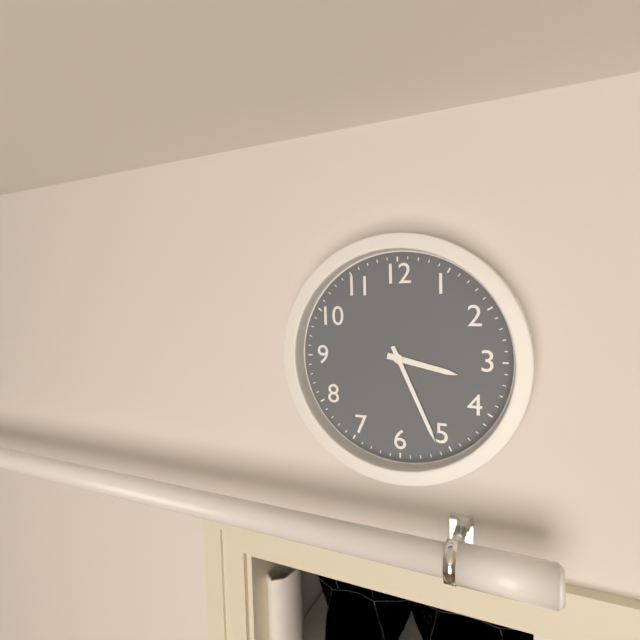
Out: {"hour": 3, "minute": 26}
